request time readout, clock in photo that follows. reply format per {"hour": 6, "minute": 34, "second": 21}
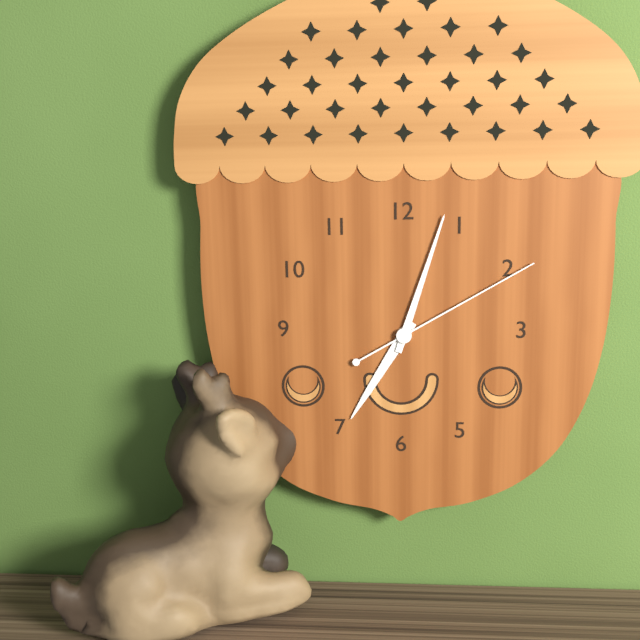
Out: {"hour": 7, "minute": 3, "second": 10}
